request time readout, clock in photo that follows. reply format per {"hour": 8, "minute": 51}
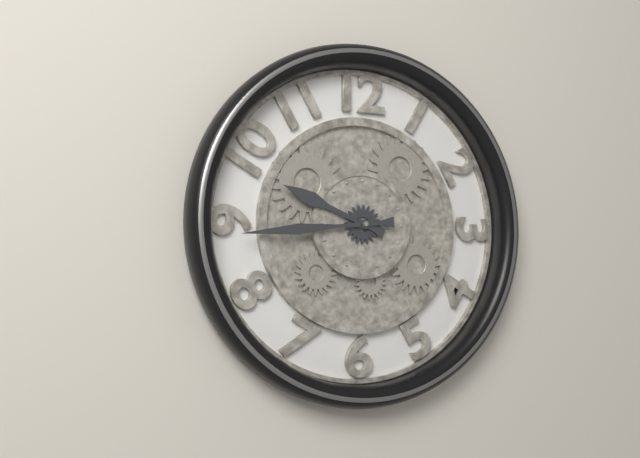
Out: {"hour": 9, "minute": 44}
